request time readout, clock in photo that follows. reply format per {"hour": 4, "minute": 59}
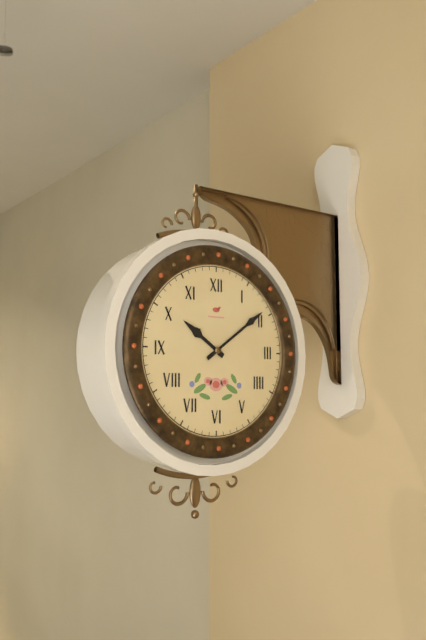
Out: {"hour": 10, "minute": 9}
